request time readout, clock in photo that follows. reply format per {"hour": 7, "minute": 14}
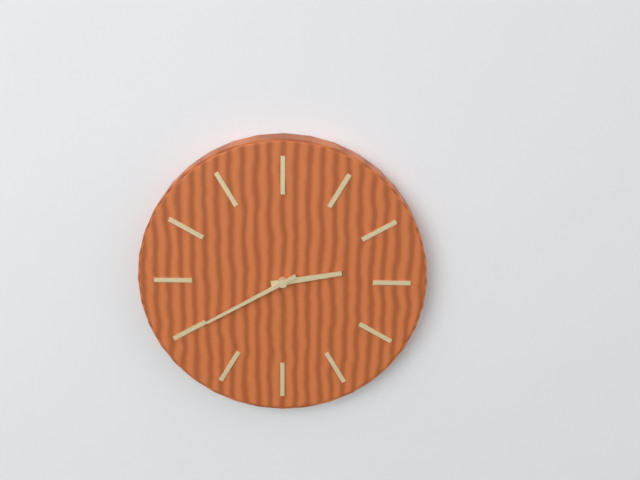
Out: {"hour": 2, "minute": 40}
